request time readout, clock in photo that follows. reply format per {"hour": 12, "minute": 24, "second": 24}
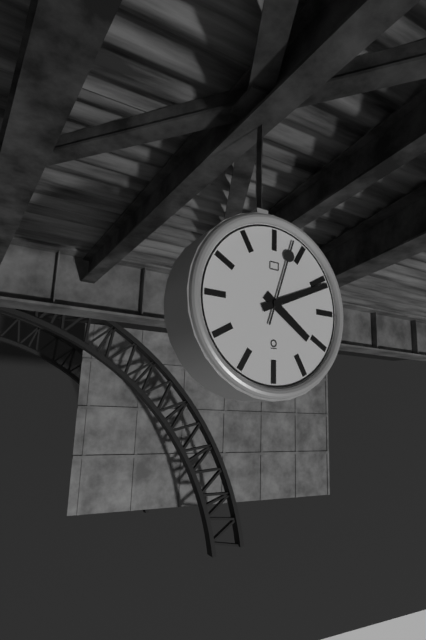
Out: {"hour": 4, "minute": 11, "second": 3}
